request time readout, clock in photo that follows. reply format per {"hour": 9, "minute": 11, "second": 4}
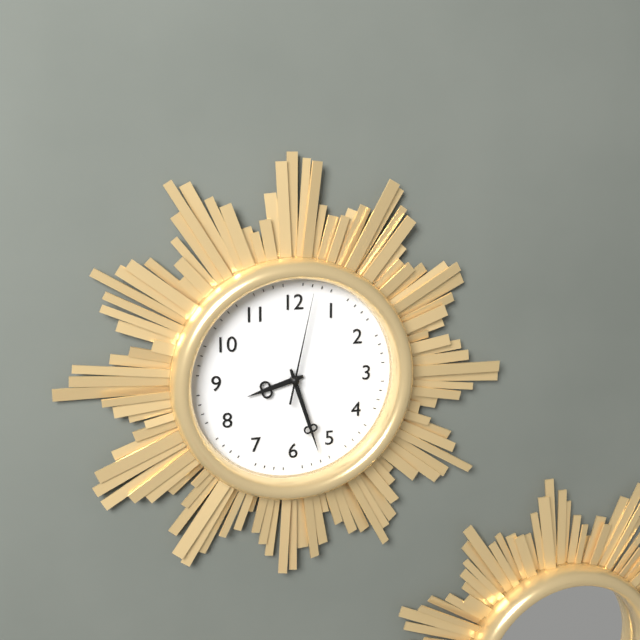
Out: {"hour": 8, "minute": 27, "second": 2}
